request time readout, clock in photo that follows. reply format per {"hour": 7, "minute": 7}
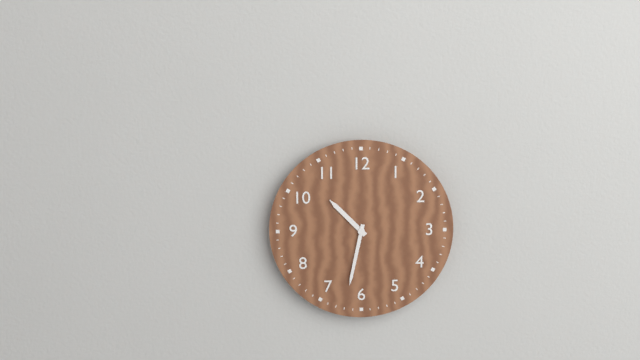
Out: {"hour": 10, "minute": 32}
